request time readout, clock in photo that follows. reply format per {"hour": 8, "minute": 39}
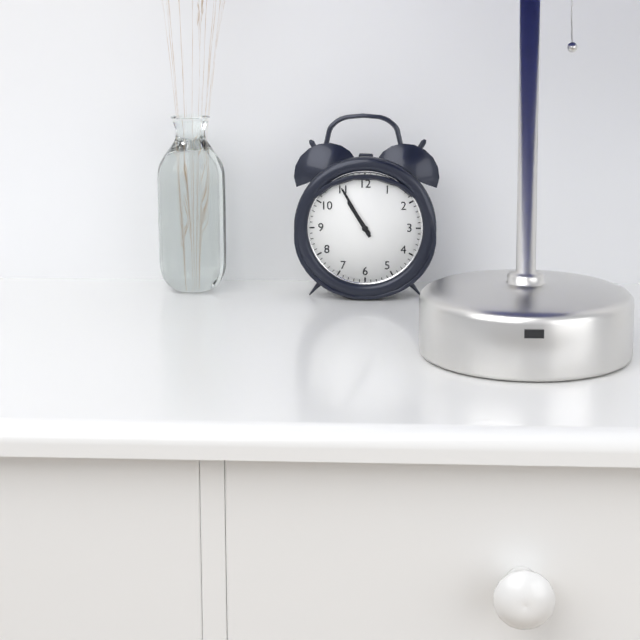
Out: {"hour": 10, "minute": 55}
